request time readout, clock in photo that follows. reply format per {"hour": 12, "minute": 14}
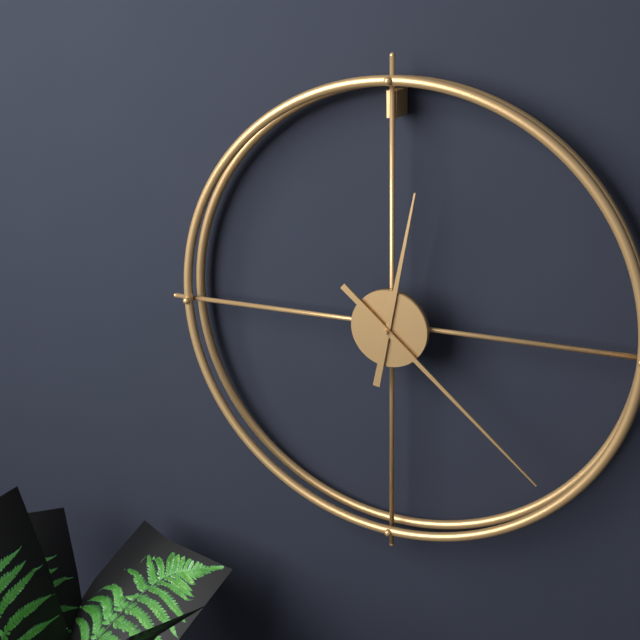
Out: {"hour": 12, "minute": 22}
